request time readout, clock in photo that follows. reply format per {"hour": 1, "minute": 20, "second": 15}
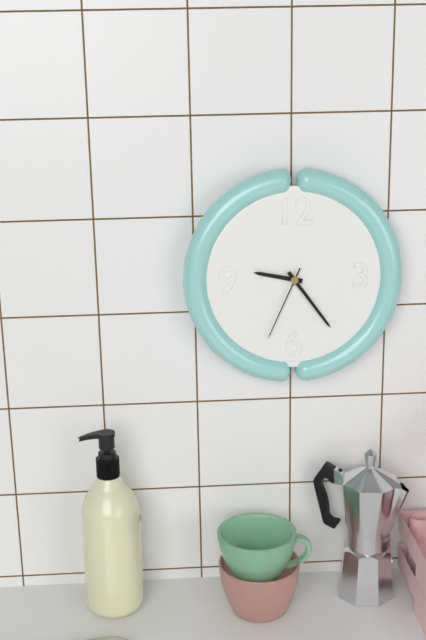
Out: {"hour": 9, "minute": 24, "second": 34}
